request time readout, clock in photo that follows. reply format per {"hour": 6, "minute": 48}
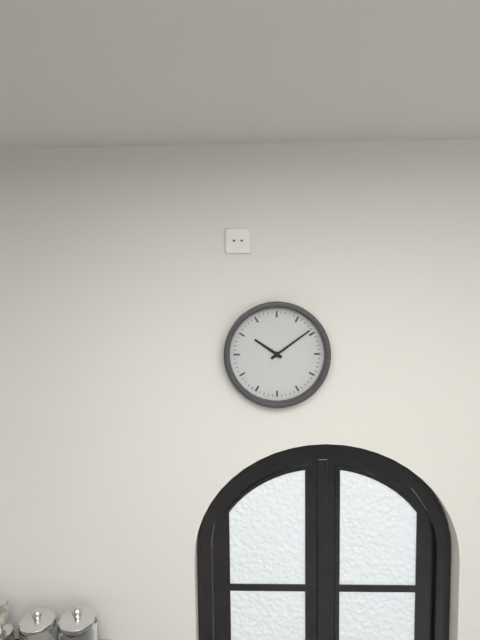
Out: {"hour": 10, "minute": 9}
